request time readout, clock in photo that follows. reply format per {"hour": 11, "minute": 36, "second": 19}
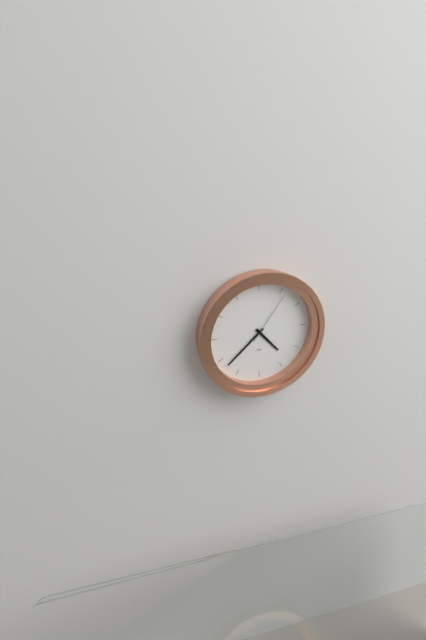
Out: {"hour": 4, "minute": 38, "second": 6}
